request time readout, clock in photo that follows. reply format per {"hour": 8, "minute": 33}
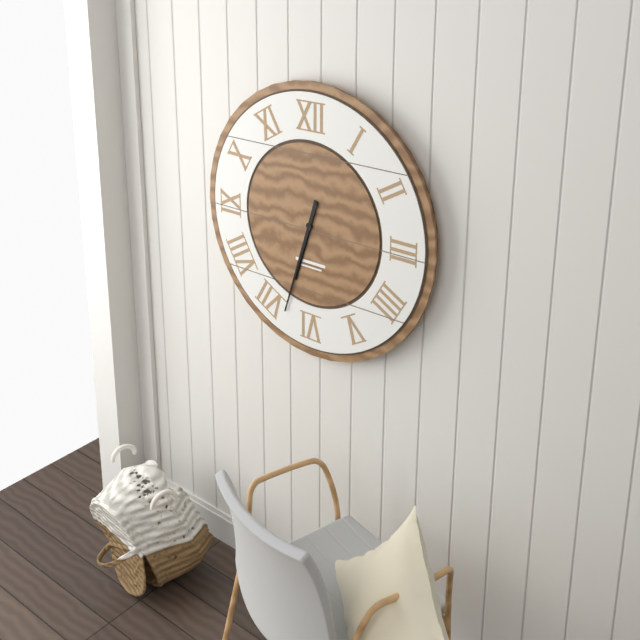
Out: {"hour": 6, "minute": 33}
